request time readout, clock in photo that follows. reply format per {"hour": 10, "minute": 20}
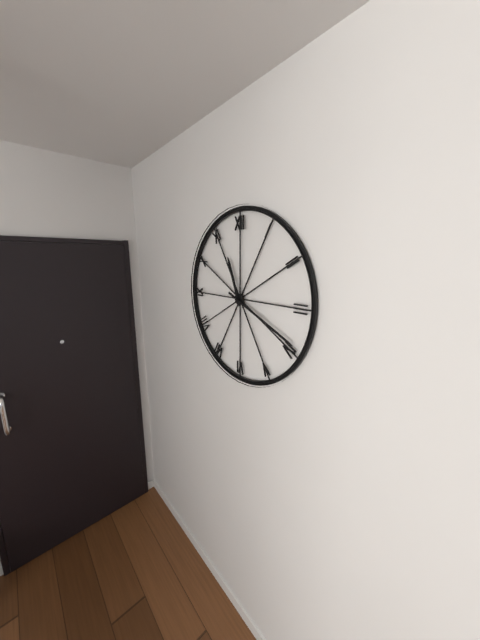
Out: {"hour": 11, "minute": 19}
